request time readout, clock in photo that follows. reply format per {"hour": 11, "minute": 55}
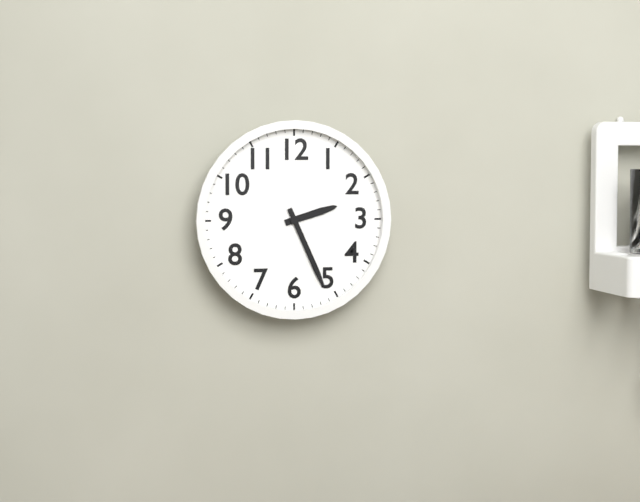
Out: {"hour": 2, "minute": 26}
